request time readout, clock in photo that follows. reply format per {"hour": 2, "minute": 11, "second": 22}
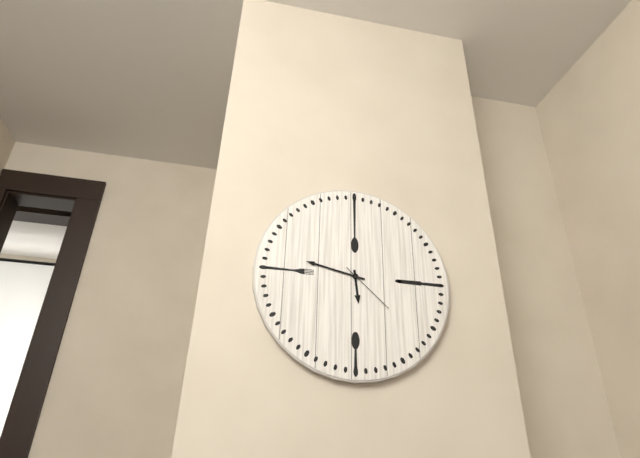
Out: {"hour": 5, "minute": 47, "second": 22}
